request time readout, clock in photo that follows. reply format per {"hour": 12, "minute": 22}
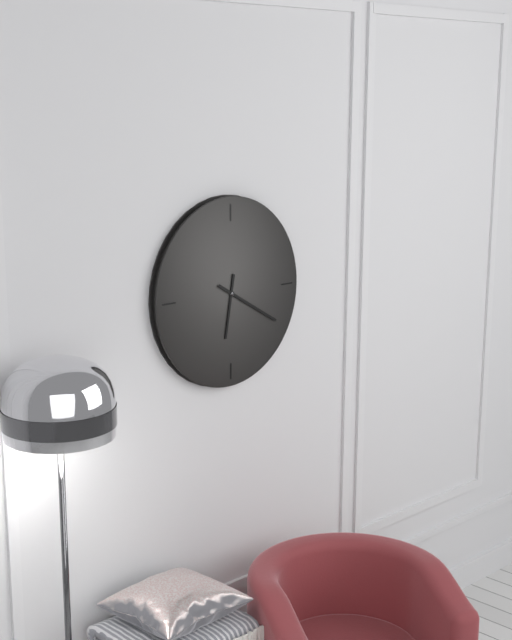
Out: {"hour": 6, "minute": 20}
